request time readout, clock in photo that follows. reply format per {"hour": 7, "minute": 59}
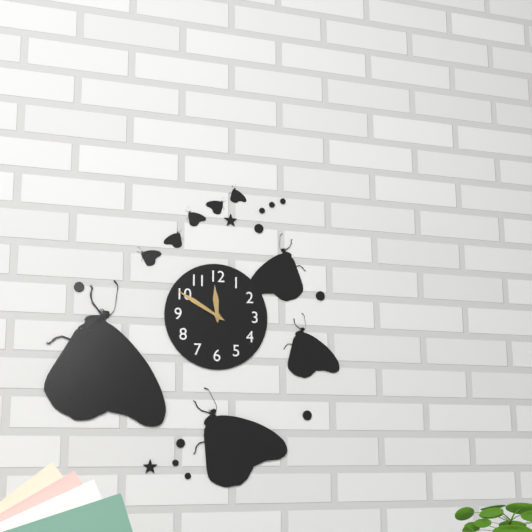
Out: {"hour": 11, "minute": 50}
